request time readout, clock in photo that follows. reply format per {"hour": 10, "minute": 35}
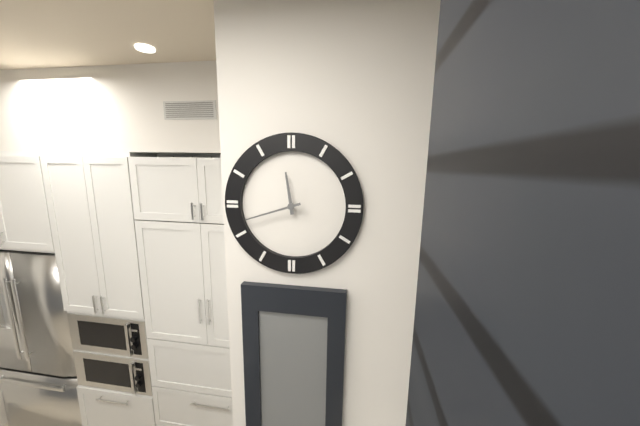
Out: {"hour": 11, "minute": 42}
